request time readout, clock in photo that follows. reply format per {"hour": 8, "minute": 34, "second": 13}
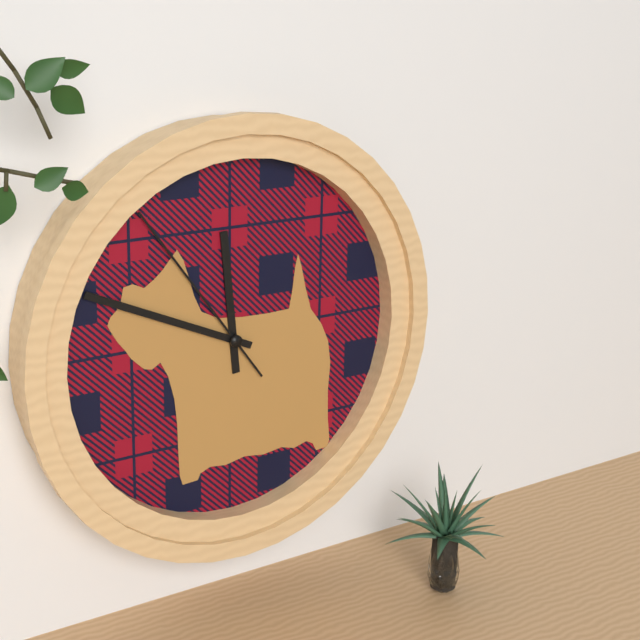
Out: {"hour": 11, "minute": 49, "second": 54}
